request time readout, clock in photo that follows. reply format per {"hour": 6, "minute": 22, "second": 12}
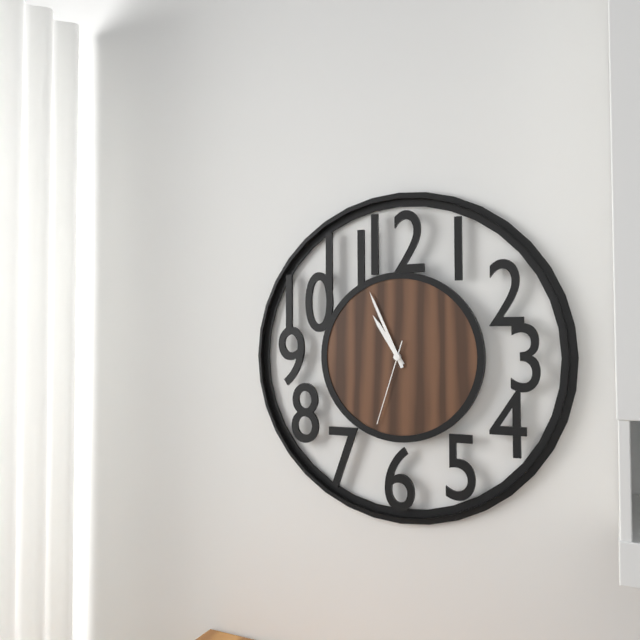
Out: {"hour": 10, "minute": 56, "second": 33}
